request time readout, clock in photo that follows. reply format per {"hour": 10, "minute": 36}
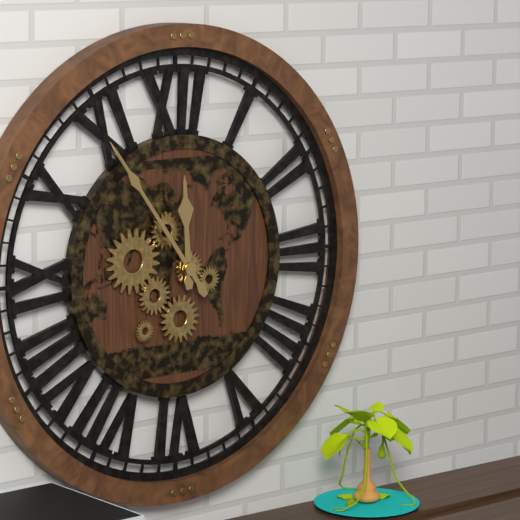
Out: {"hour": 11, "minute": 54}
